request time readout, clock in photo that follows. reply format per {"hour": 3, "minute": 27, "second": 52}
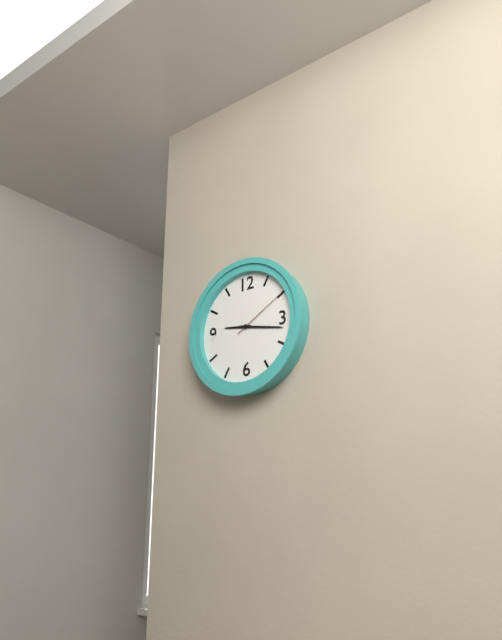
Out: {"hour": 9, "minute": 17, "second": 10}
